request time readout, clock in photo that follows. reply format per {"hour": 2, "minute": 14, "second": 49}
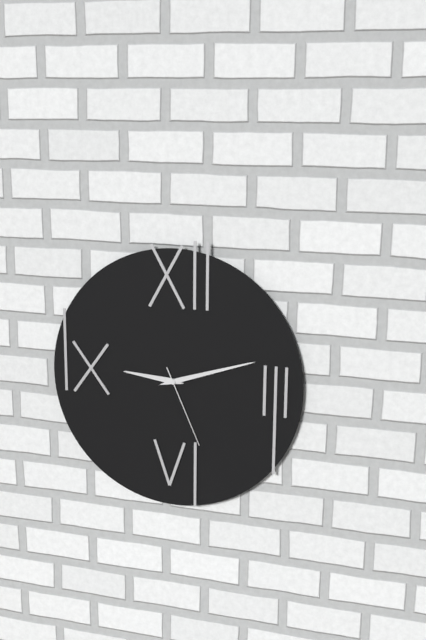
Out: {"hour": 9, "minute": 12, "second": 26}
